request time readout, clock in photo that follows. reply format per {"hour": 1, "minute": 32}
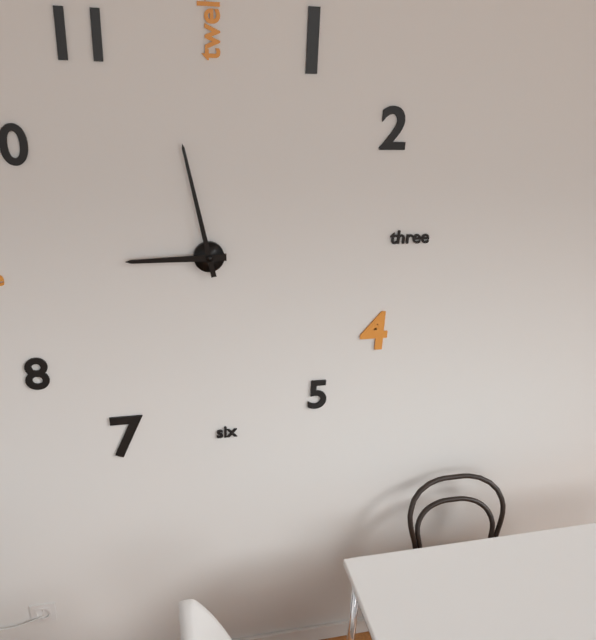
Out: {"hour": 8, "minute": 58}
